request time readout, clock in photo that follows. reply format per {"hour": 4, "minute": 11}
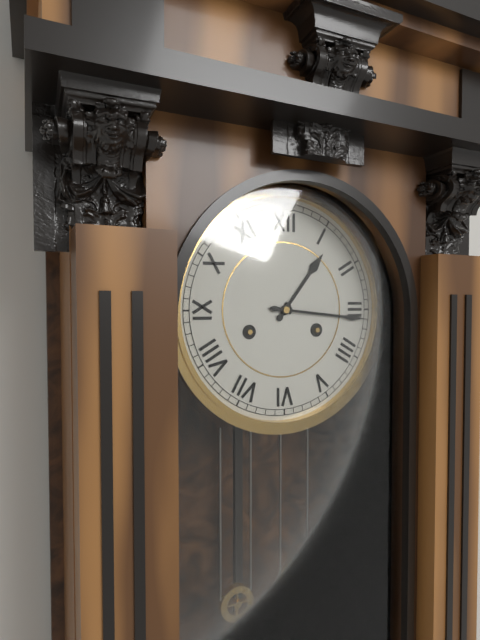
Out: {"hour": 1, "minute": 16}
